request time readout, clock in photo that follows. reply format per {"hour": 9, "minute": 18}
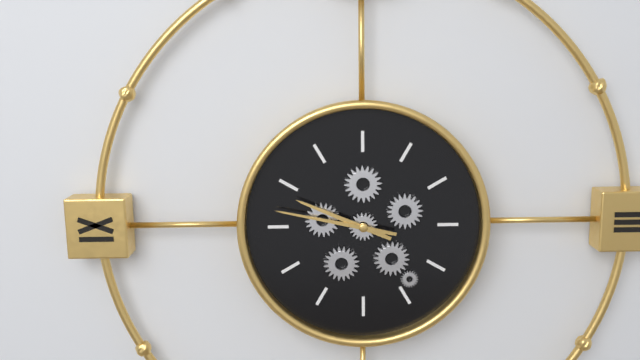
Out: {"hour": 9, "minute": 47}
